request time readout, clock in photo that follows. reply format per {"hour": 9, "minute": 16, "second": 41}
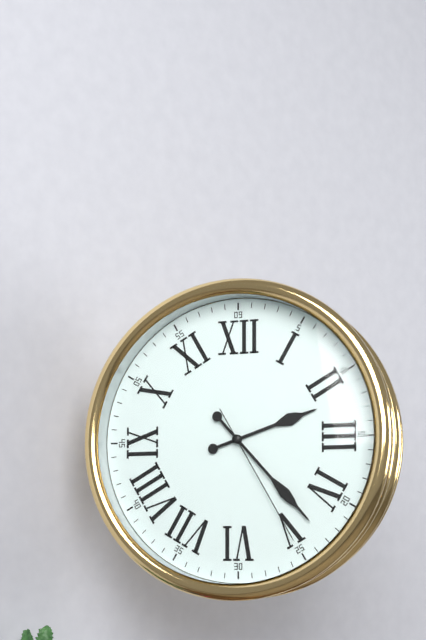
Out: {"hour": 2, "minute": 23, "second": 25}
